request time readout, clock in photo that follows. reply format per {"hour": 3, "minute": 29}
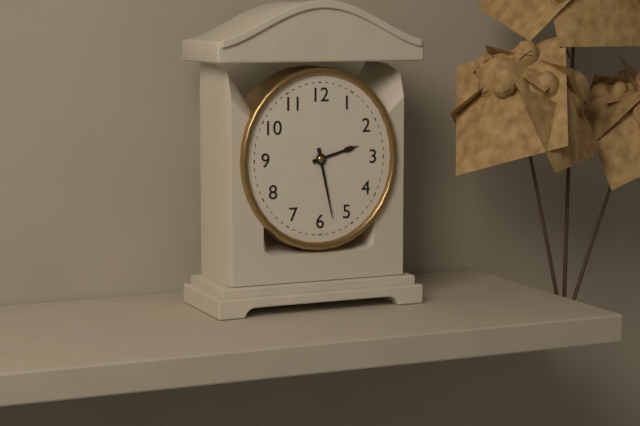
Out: {"hour": 2, "minute": 28}
